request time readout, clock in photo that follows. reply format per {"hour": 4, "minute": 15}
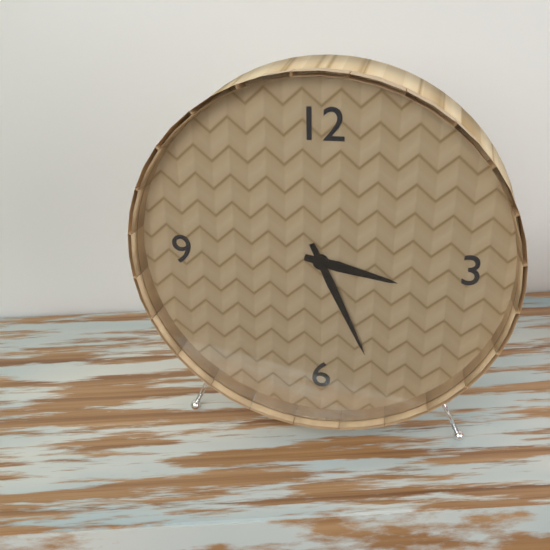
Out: {"hour": 3, "minute": 26}
